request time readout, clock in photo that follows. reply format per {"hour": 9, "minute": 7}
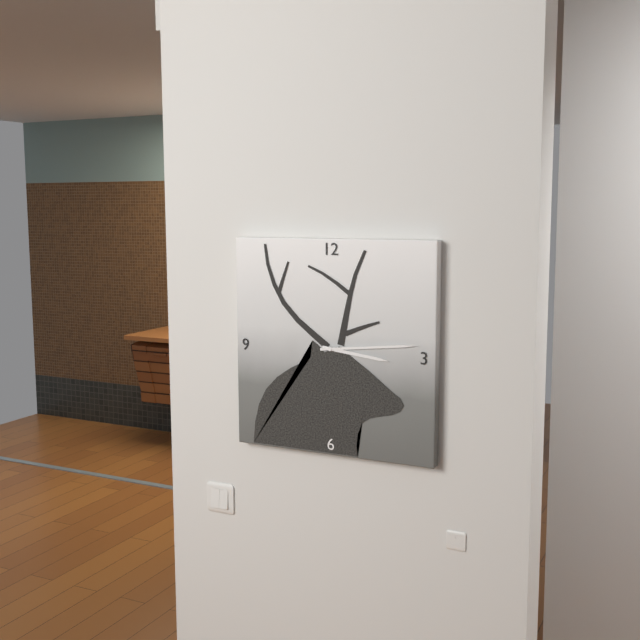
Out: {"hour": 3, "minute": 14}
